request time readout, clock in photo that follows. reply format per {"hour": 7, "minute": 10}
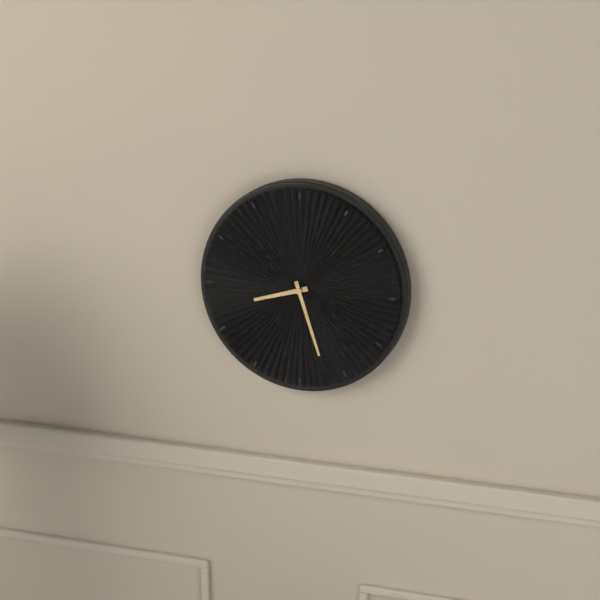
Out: {"hour": 8, "minute": 27}
